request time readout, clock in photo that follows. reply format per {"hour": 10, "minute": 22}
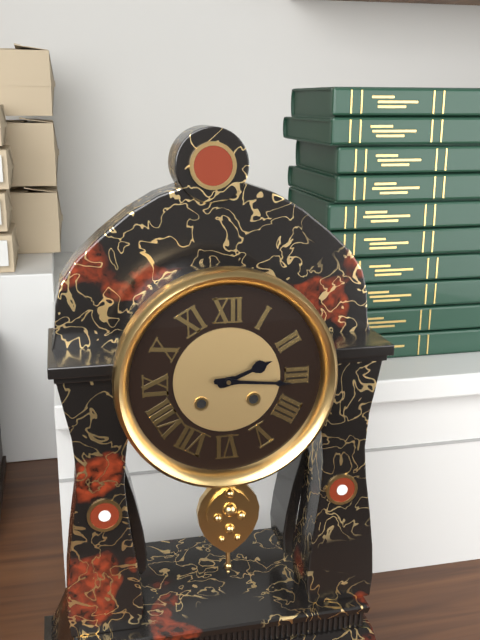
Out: {"hour": 2, "minute": 16}
